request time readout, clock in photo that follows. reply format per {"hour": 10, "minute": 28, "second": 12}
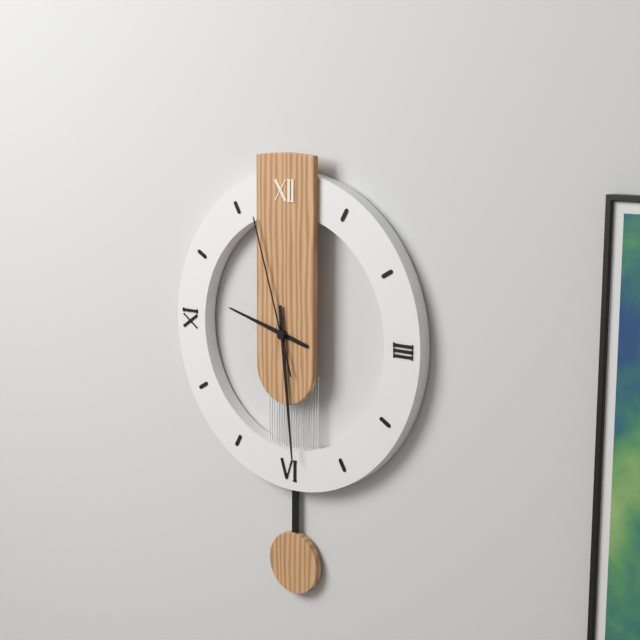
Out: {"hour": 9, "minute": 29, "second": 57}
